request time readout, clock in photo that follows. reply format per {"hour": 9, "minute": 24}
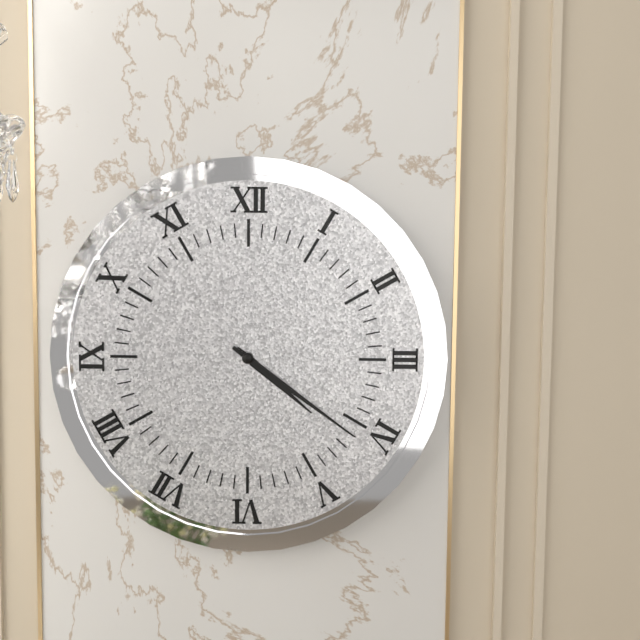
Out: {"hour": 4, "minute": 21}
